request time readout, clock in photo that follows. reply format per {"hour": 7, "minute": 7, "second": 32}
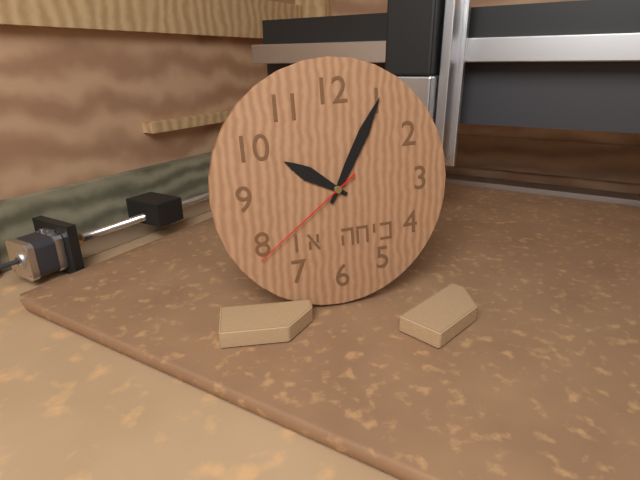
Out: {"hour": 10, "minute": 5, "second": 39}
